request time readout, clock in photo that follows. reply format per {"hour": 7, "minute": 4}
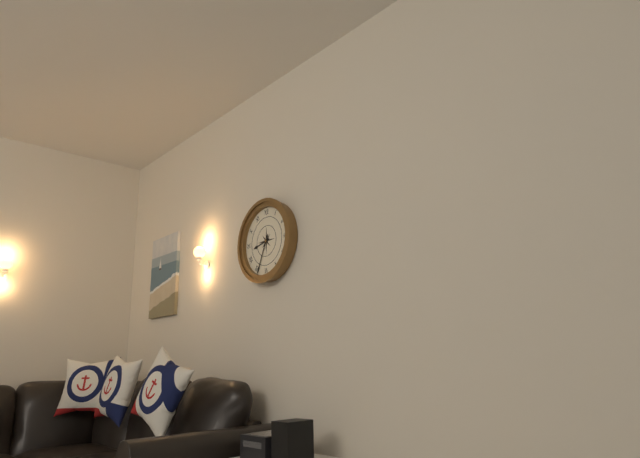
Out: {"hour": 8, "minute": 34}
